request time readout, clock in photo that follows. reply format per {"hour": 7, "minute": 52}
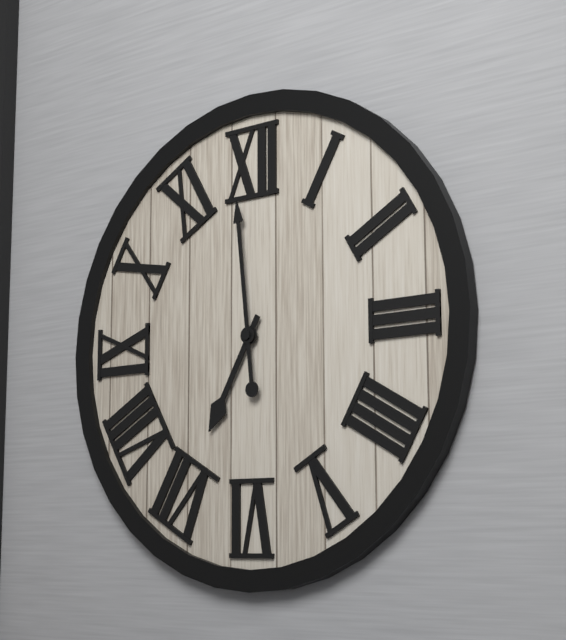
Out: {"hour": 6, "minute": 59}
